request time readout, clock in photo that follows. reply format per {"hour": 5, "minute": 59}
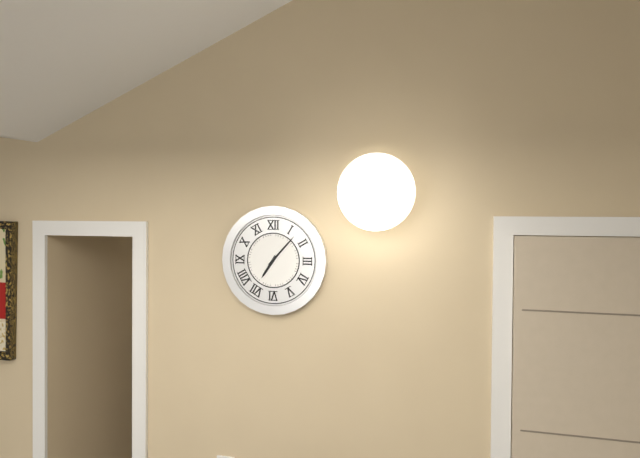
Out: {"hour": 7, "minute": 7}
